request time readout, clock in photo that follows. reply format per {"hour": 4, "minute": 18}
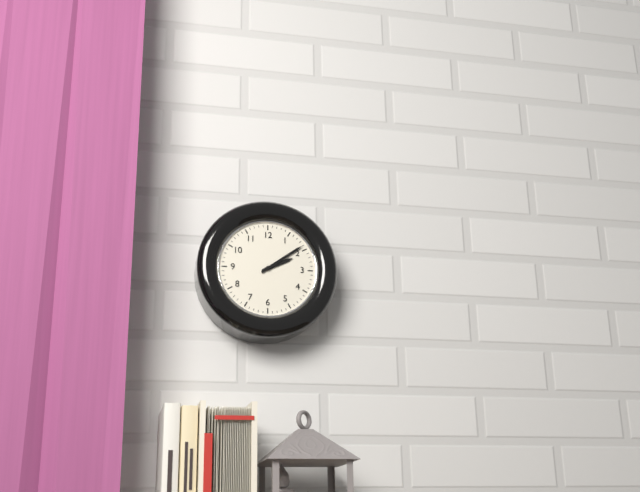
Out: {"hour": 2, "minute": 9}
